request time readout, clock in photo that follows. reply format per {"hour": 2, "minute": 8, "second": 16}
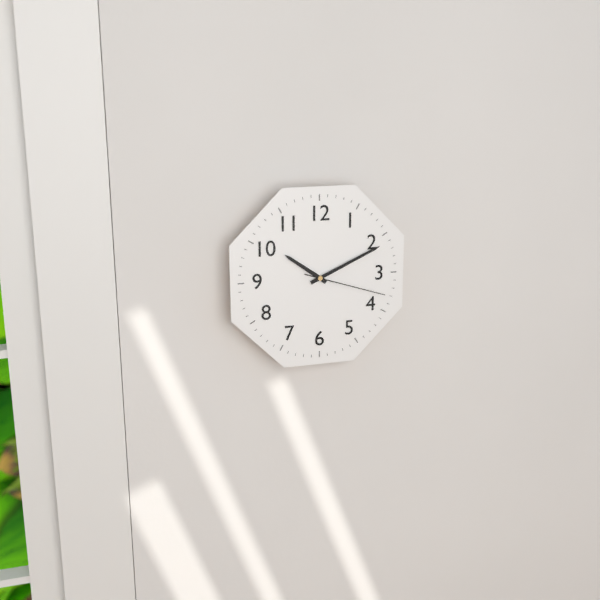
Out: {"hour": 10, "minute": 11, "second": 18}
